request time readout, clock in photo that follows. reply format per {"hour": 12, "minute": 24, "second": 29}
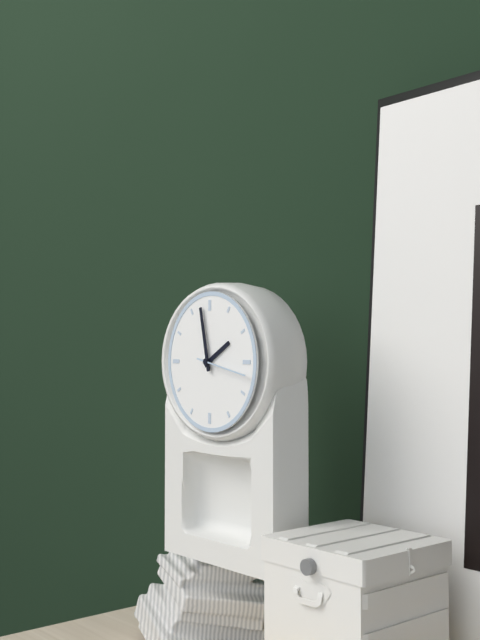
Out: {"hour": 1, "minute": 58, "second": 17}
